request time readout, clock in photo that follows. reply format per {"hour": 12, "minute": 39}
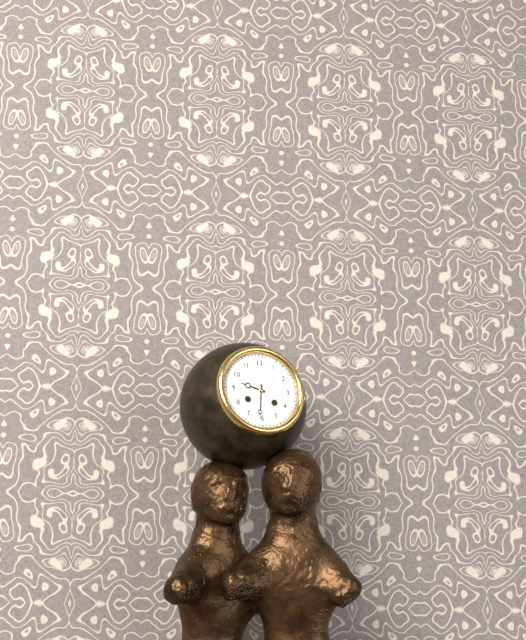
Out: {"hour": 9, "minute": 31}
